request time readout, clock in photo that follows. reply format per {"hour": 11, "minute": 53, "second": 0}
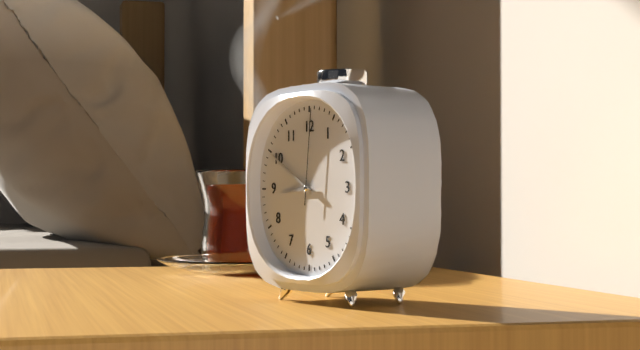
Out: {"hour": 8, "minute": 50, "second": 1}
